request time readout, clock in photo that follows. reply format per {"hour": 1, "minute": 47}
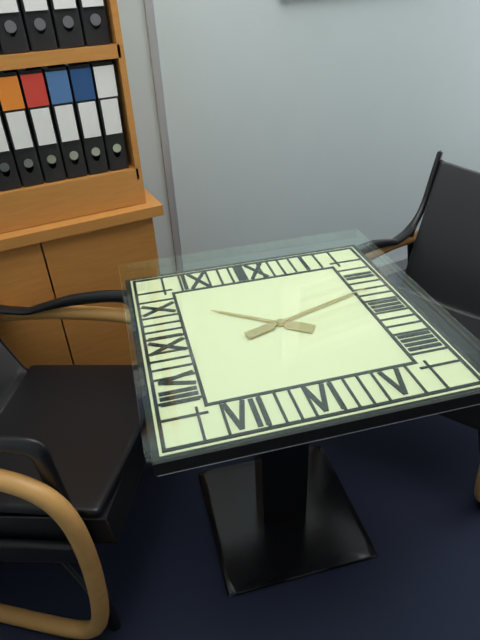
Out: {"hour": 10, "minute": 12}
